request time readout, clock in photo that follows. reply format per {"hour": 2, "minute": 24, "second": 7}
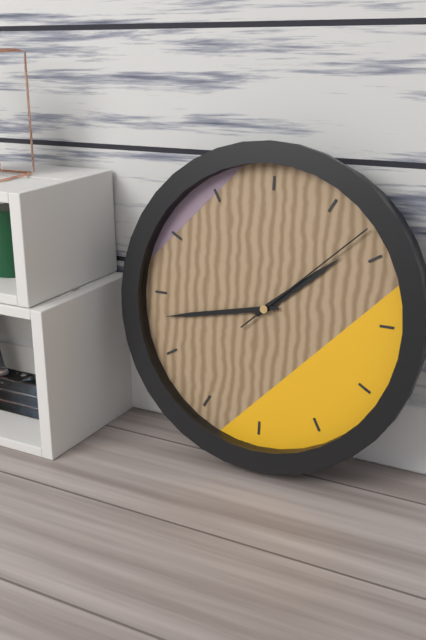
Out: {"hour": 1, "minute": 43, "second": 8}
